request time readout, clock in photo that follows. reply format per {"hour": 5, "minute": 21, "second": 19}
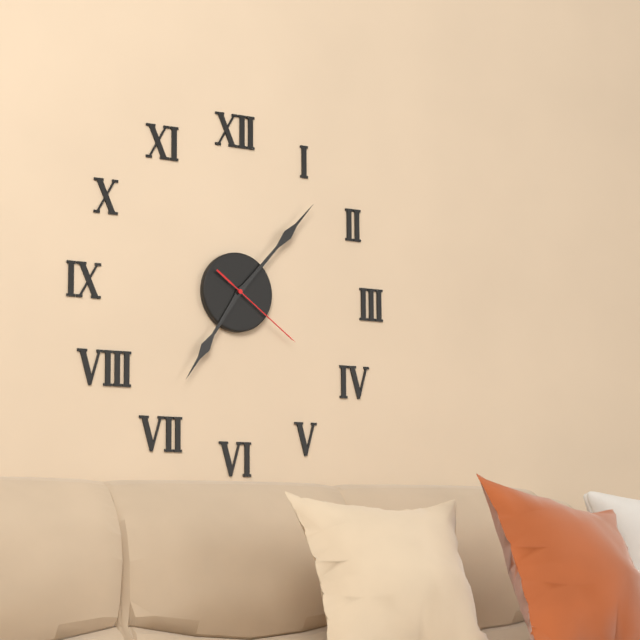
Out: {"hour": 7, "minute": 7, "second": 21}
